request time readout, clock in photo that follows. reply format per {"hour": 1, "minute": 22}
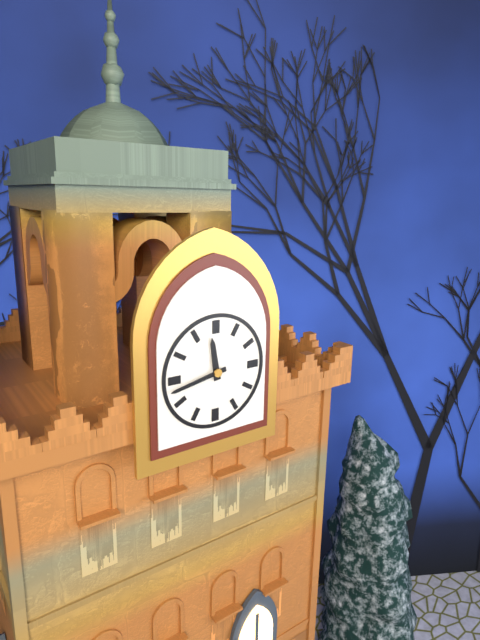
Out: {"hour": 11, "minute": 43}
